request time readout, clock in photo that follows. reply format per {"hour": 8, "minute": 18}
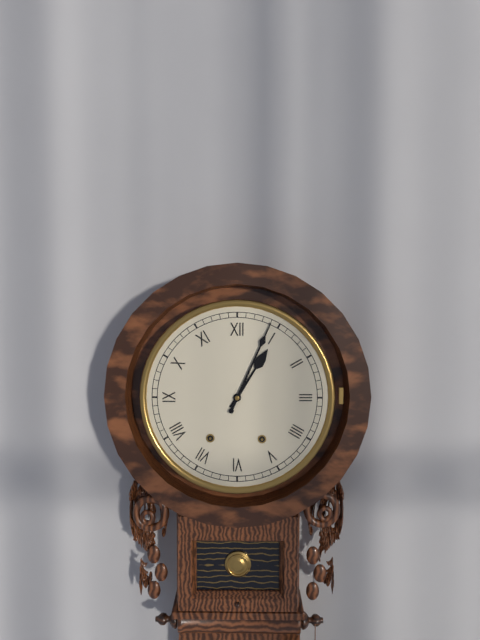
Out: {"hour": 1, "minute": 4}
